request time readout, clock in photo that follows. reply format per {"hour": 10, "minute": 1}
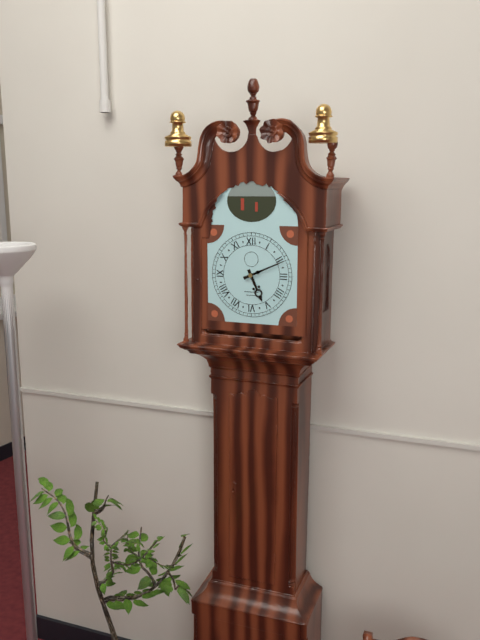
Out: {"hour": 5, "minute": 11}
